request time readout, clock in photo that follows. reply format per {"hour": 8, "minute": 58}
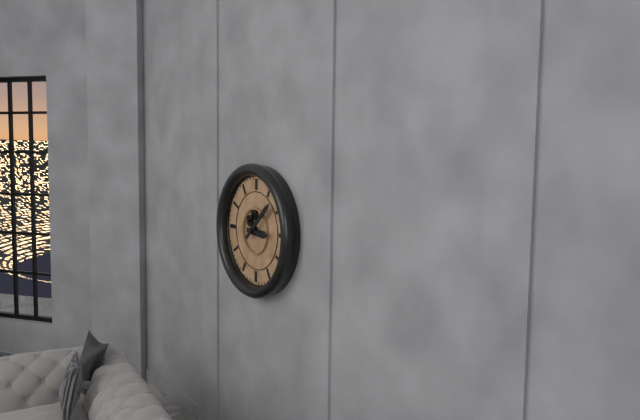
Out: {"hour": 3, "minute": 8}
